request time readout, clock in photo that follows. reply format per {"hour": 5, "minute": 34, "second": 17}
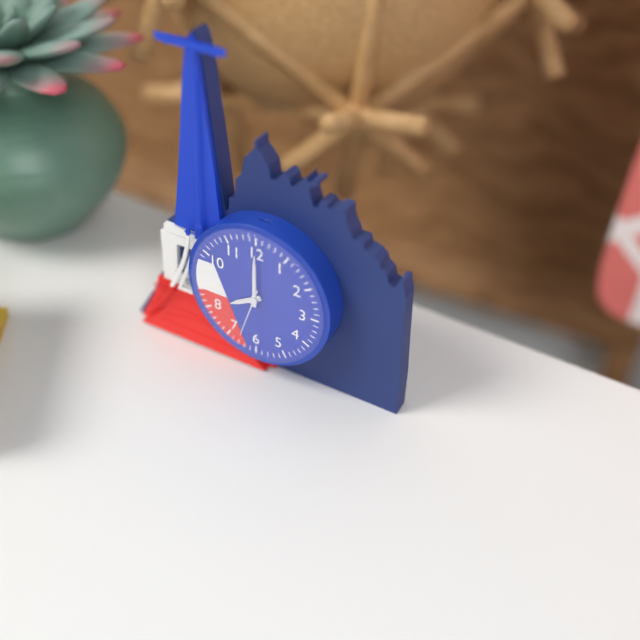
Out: {"hour": 8, "minute": 0, "second": 33}
